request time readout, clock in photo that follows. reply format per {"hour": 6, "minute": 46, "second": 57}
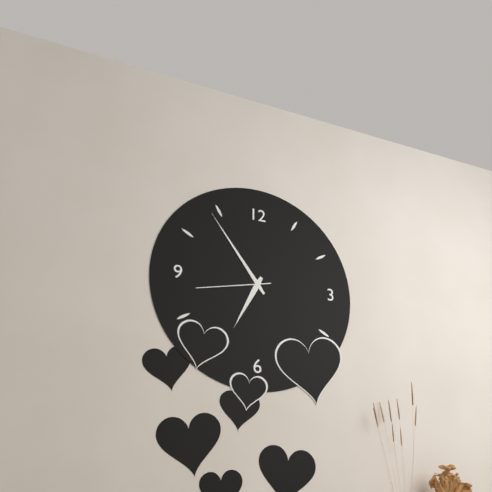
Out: {"hour": 6, "minute": 54, "second": 43}
